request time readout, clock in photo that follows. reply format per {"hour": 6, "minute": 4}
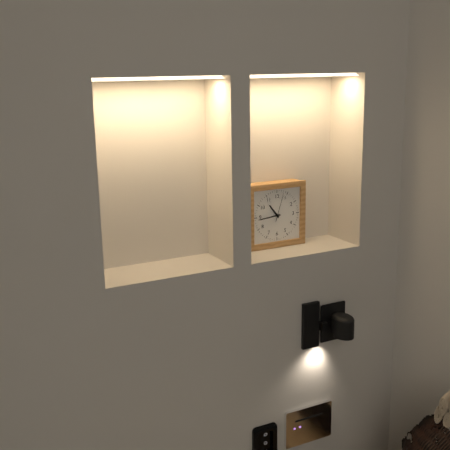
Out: {"hour": 10, "minute": 44}
